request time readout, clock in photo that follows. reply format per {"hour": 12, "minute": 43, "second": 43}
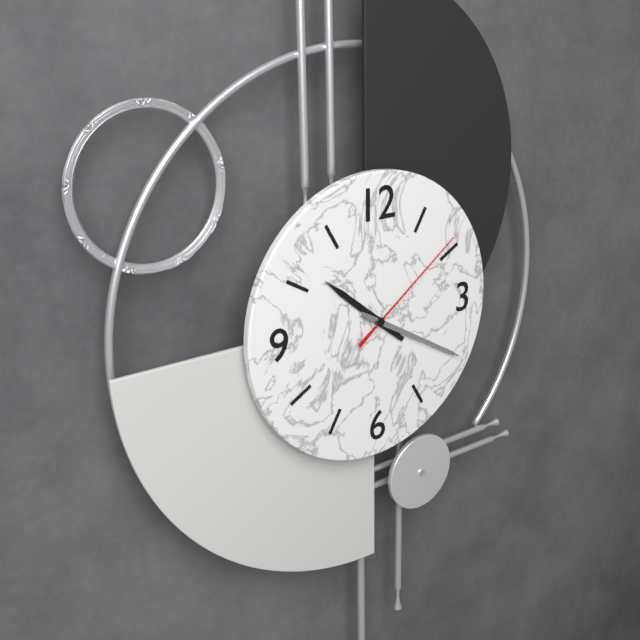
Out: {"hour": 10, "minute": 20, "second": 9}
